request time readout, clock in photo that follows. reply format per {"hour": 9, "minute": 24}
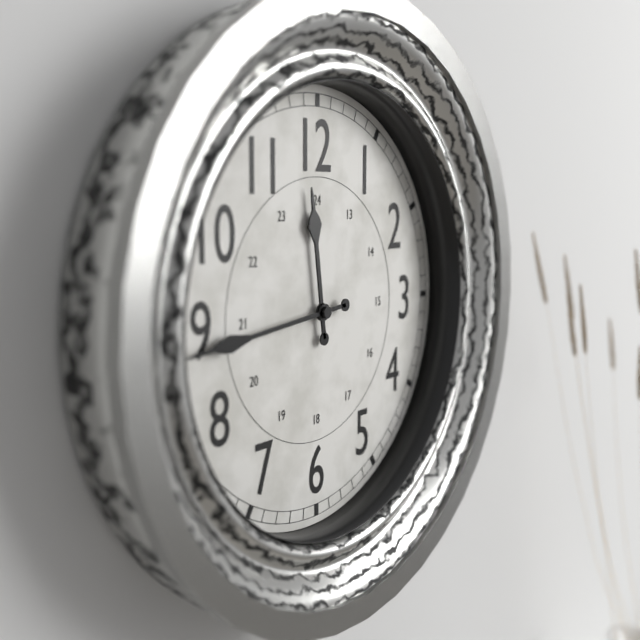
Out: {"hour": 11, "minute": 44}
